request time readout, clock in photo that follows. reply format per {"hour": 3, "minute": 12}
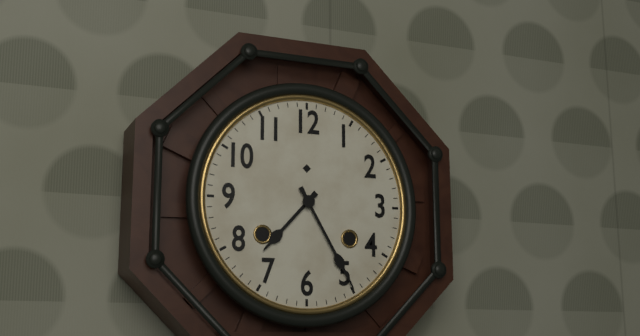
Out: {"hour": 7, "minute": 25}
